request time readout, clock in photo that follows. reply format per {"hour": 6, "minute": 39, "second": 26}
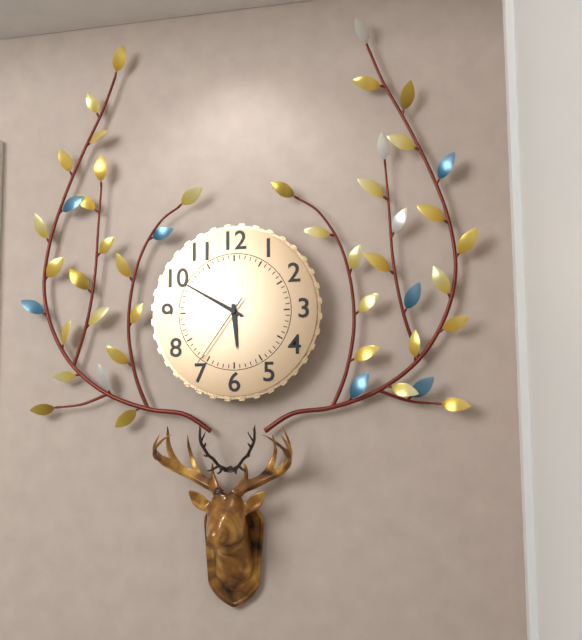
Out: {"hour": 5, "minute": 50, "second": 36}
